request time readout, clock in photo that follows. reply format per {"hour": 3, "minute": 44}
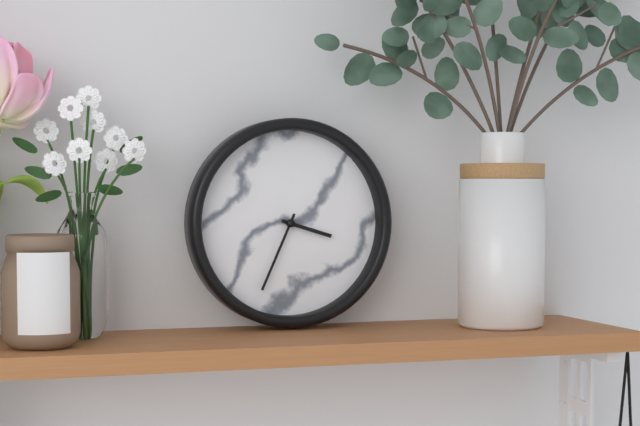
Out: {"hour": 3, "minute": 34}
